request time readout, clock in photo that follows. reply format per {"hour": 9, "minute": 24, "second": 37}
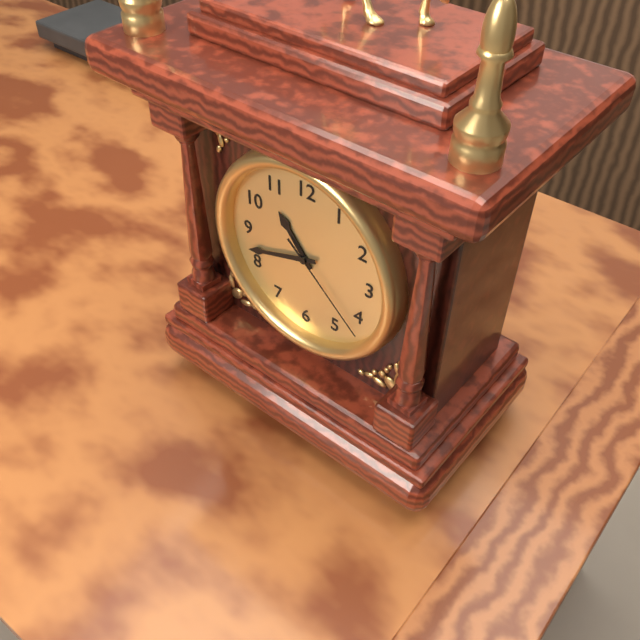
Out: {"hour": 10, "minute": 42, "second": 22}
